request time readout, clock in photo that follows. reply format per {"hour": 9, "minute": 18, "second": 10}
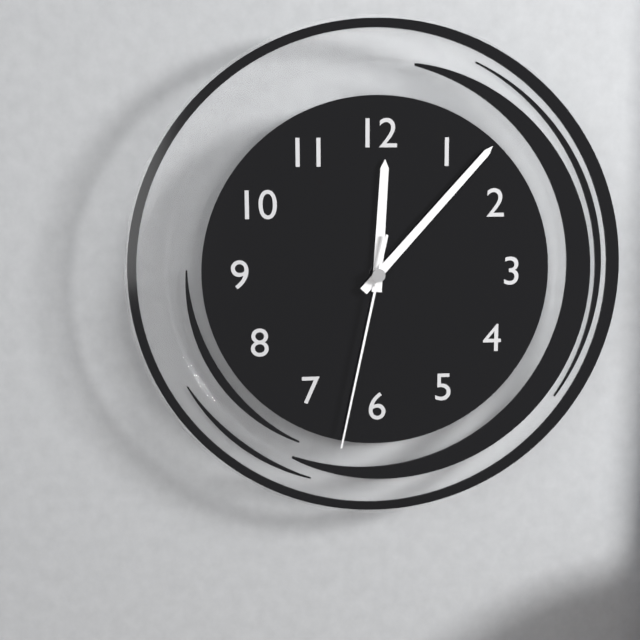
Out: {"hour": 12, "minute": 7, "second": 32}
